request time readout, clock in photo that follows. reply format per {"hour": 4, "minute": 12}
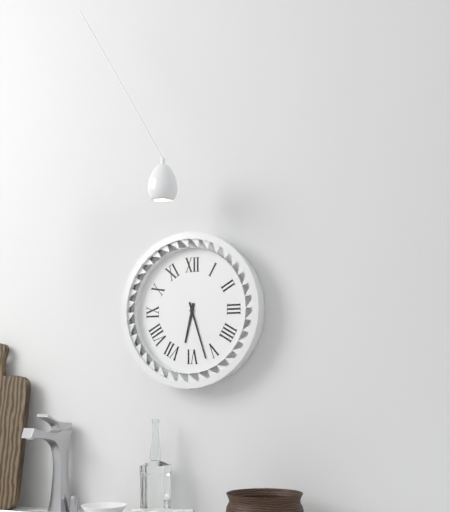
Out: {"hour": 6, "minute": 27}
